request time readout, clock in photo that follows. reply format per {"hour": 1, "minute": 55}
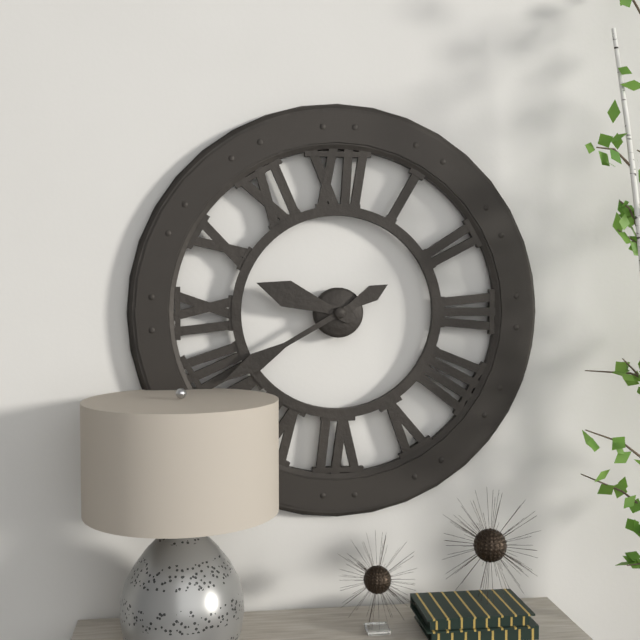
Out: {"hour": 9, "minute": 40}
